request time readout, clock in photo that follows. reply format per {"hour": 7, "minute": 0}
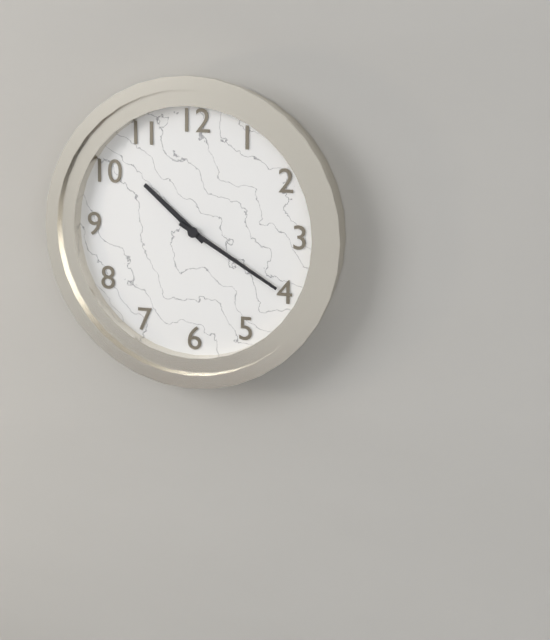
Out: {"hour": 10, "minute": 20}
